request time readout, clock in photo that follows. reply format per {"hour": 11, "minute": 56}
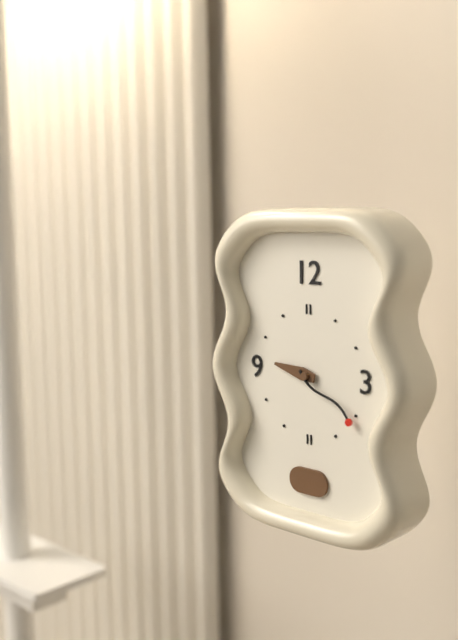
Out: {"hour": 9, "minute": 21}
